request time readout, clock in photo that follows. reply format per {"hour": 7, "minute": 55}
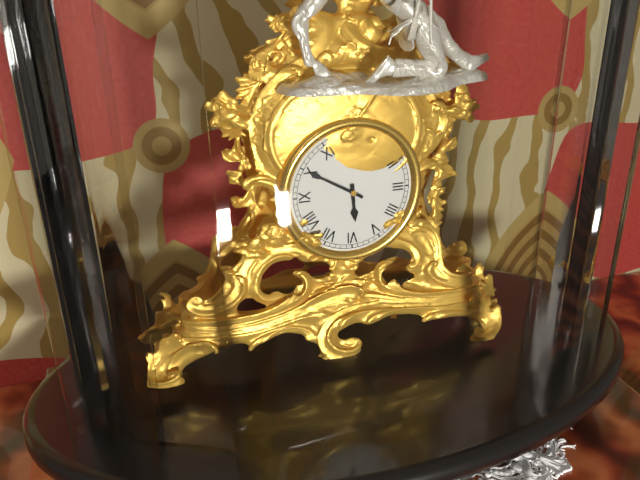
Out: {"hour": 5, "minute": 50}
